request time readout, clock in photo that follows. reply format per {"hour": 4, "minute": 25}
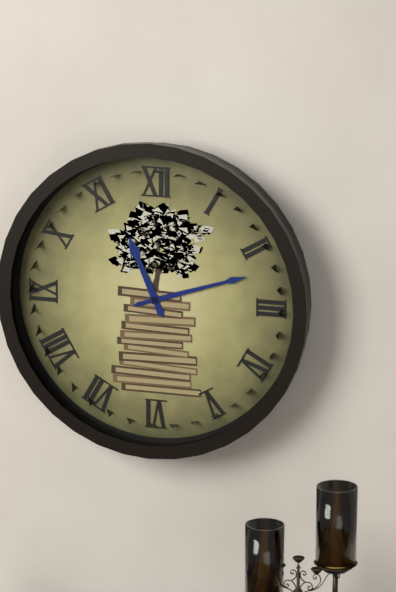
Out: {"hour": 11, "minute": 12}
